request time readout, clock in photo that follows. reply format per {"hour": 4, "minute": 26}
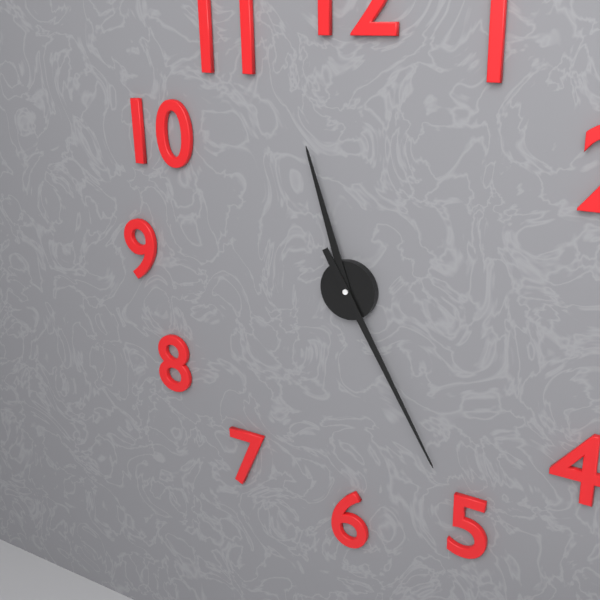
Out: {"hour": 11, "minute": 25}
